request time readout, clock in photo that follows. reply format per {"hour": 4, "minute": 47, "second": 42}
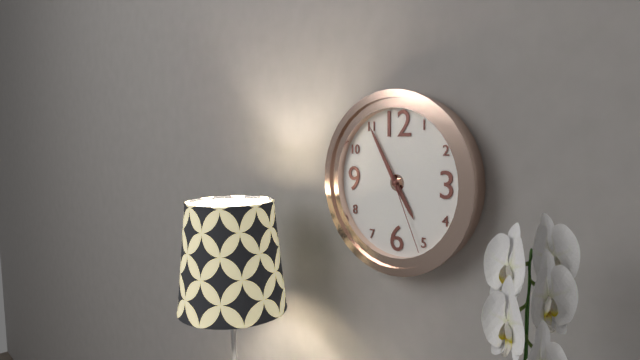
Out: {"hour": 4, "minute": 55, "second": 26}
